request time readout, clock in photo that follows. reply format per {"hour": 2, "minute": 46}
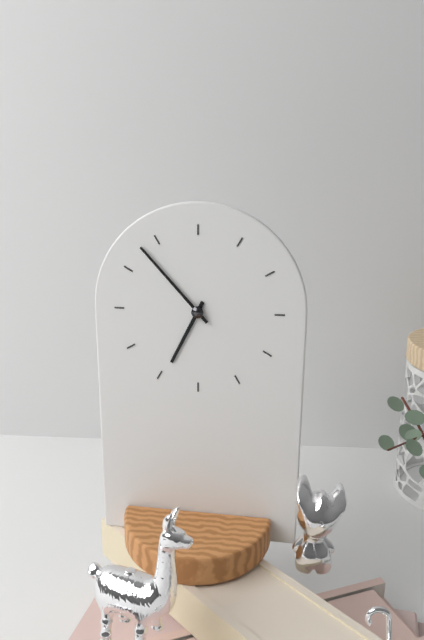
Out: {"hour": 6, "minute": 53}
